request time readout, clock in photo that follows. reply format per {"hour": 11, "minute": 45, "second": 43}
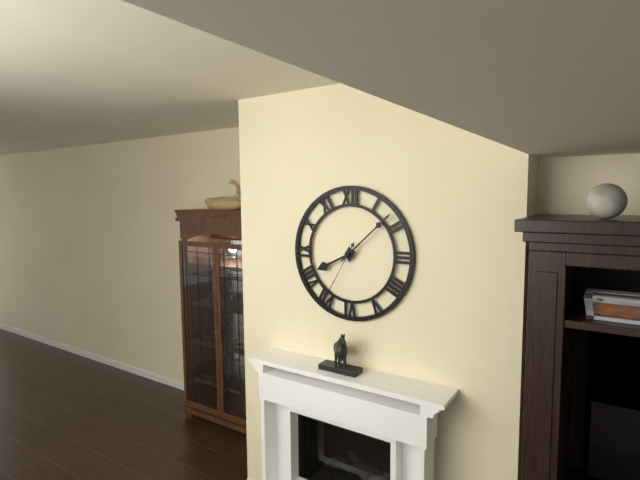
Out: {"hour": 8, "minute": 8, "second": 35}
